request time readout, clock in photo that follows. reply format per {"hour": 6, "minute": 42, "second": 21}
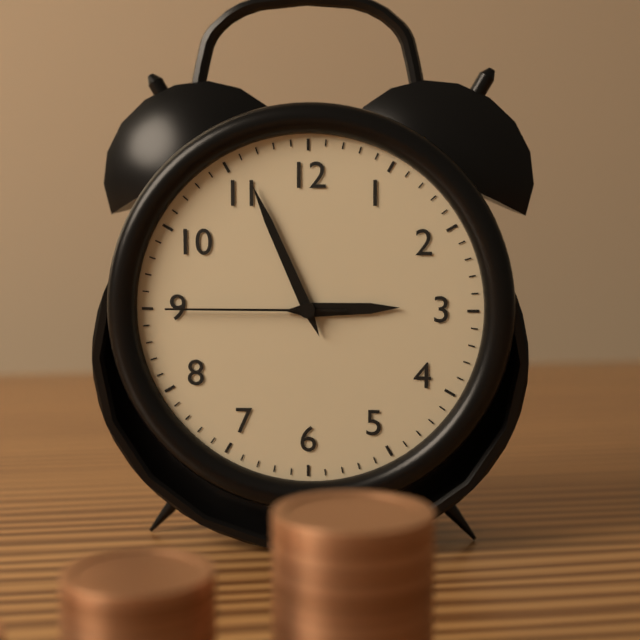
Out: {"hour": 2, "minute": 56, "second": 45}
